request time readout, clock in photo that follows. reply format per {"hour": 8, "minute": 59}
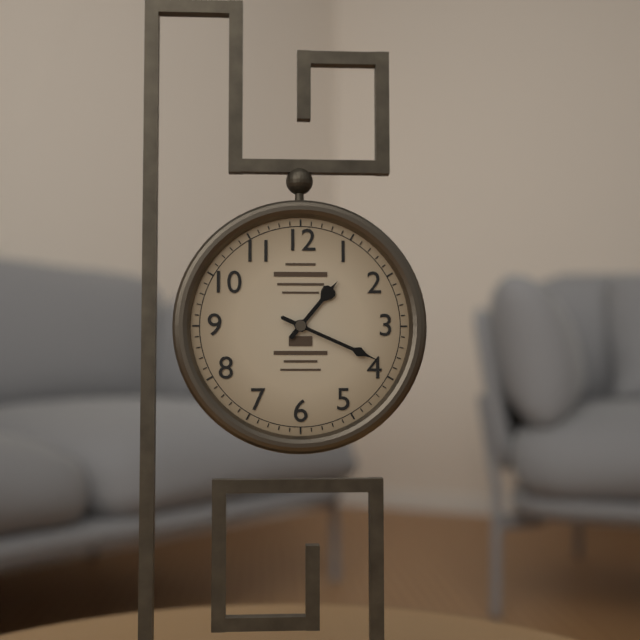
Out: {"hour": 1, "minute": 19}
